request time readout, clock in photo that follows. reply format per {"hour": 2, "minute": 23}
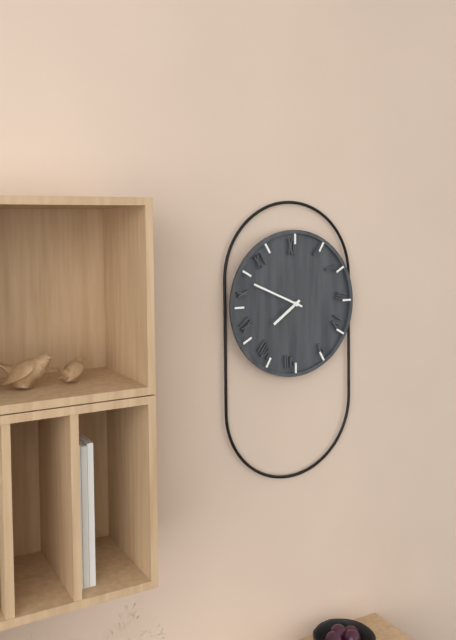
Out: {"hour": 7, "minute": 49}
